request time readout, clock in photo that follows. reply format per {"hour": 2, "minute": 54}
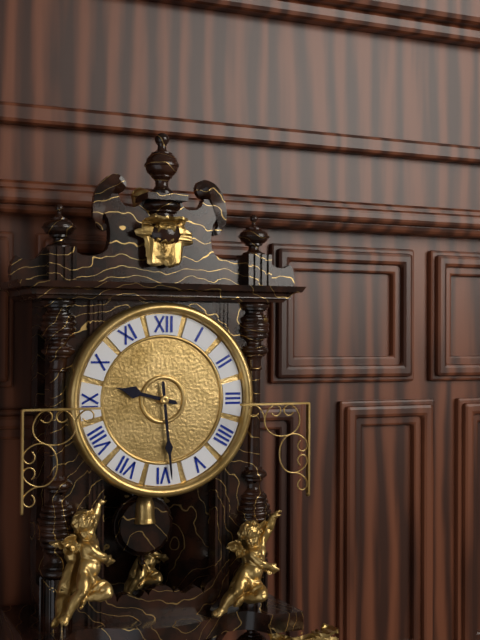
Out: {"hour": 9, "minute": 29}
